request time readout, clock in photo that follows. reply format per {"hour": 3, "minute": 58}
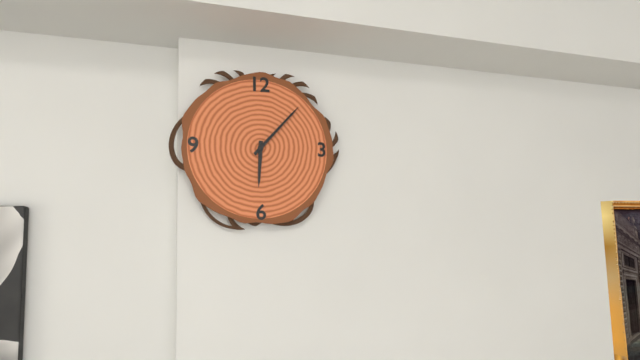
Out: {"hour": 6, "minute": 7}
